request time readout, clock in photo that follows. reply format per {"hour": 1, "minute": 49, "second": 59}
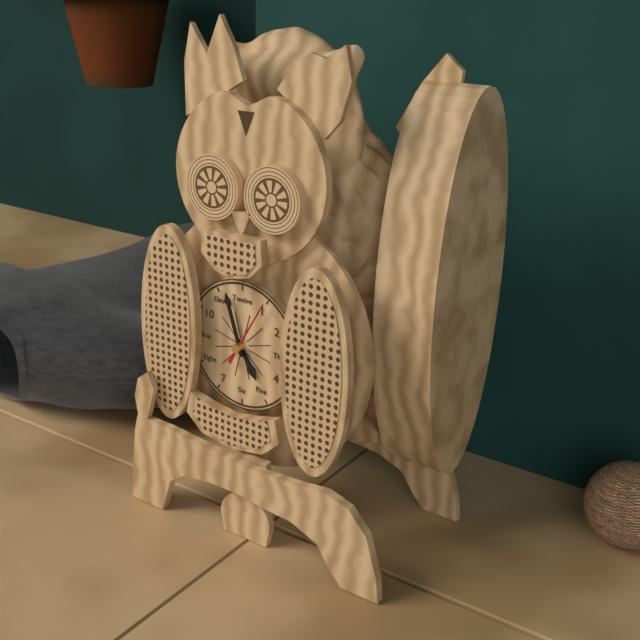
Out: {"hour": 4, "minute": 57, "second": 5}
